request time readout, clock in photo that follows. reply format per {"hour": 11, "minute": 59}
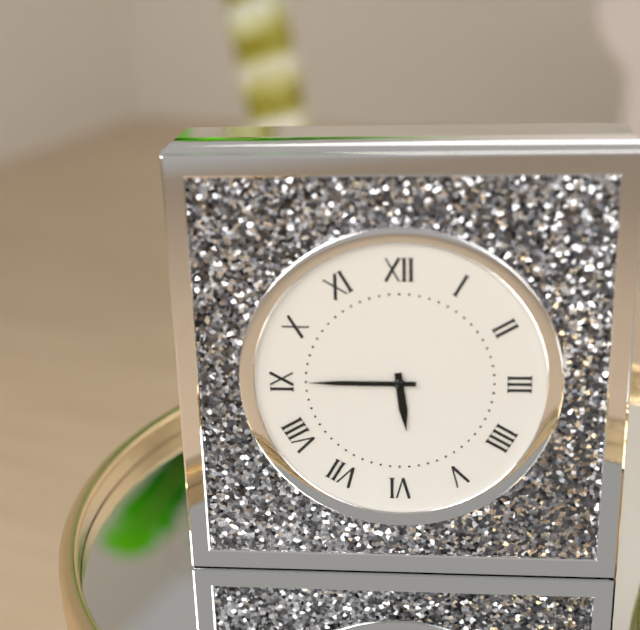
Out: {"hour": 5, "minute": 45}
